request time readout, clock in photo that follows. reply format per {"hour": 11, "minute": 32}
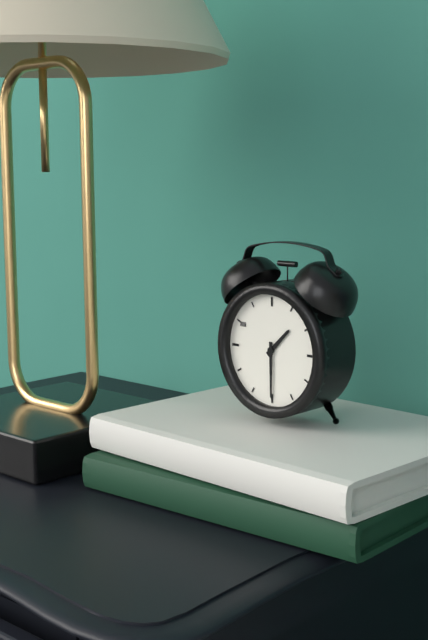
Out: {"hour": 1, "minute": 30}
